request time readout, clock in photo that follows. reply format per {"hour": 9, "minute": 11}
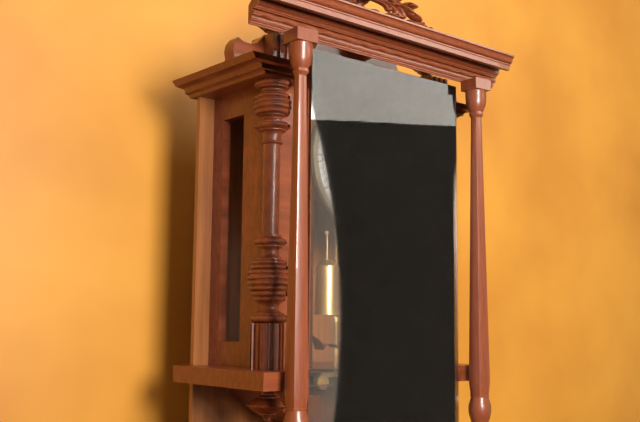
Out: {"hour": 3, "minute": 10}
